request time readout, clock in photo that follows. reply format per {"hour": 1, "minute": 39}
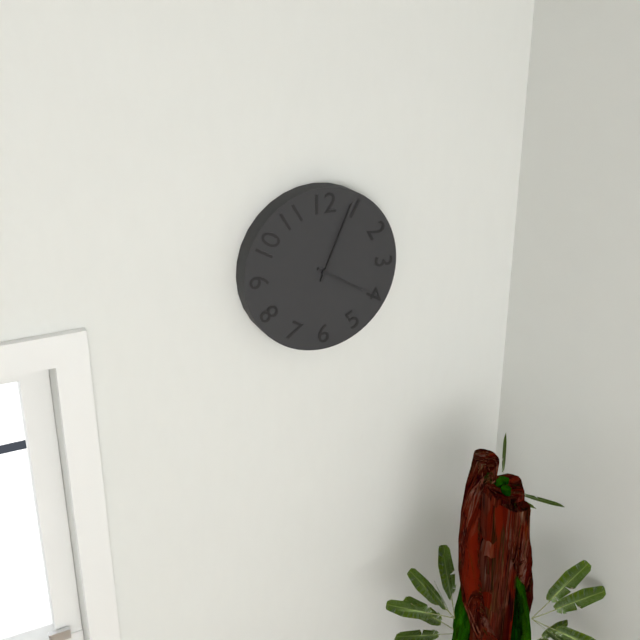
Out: {"hour": 4, "minute": 4}
